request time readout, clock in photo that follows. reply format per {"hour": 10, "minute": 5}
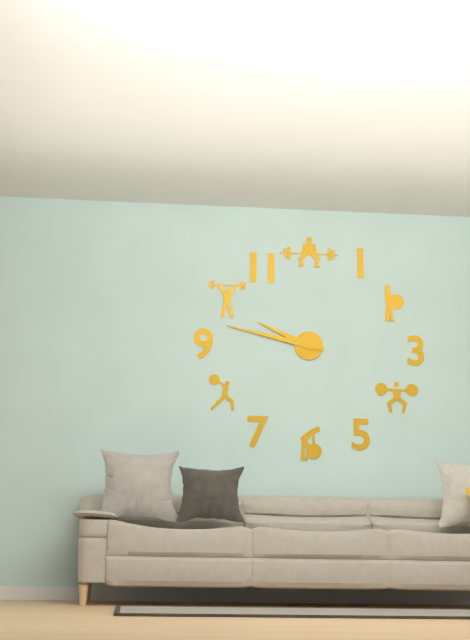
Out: {"hour": 9, "minute": 47}
